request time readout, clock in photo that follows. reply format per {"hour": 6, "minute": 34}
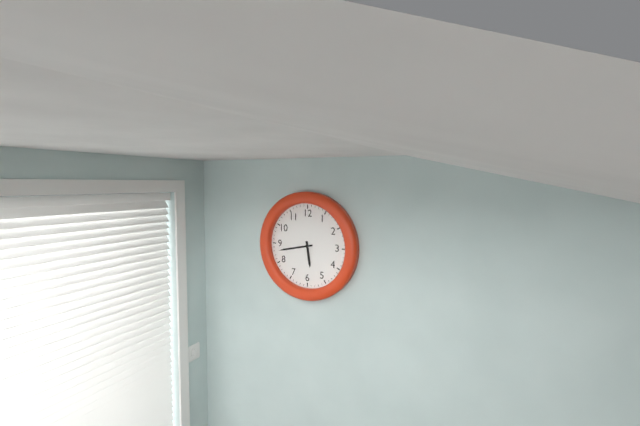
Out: {"hour": 5, "minute": 43}
